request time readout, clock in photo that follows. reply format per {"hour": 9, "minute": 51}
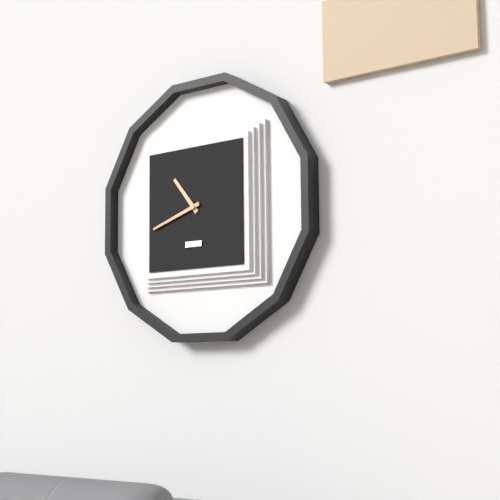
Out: {"hour": 10, "minute": 42}
